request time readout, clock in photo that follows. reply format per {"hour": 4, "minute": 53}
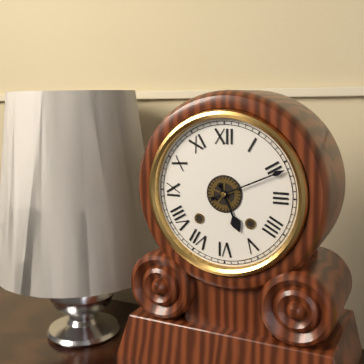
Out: {"hour": 5, "minute": 11}
